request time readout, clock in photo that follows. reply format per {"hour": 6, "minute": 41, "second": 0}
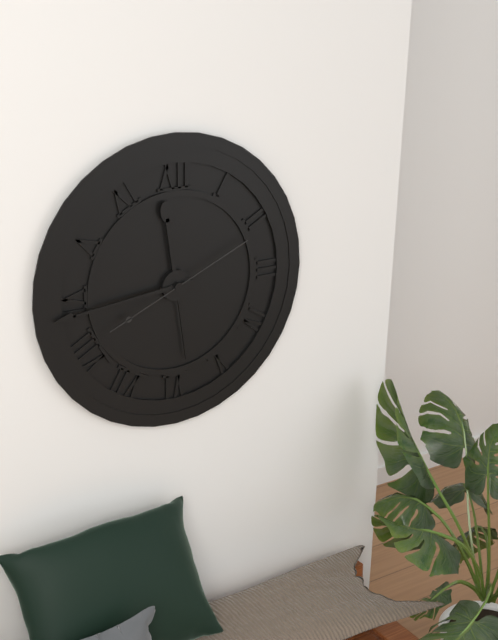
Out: {"hour": 11, "minute": 44, "second": 11}
